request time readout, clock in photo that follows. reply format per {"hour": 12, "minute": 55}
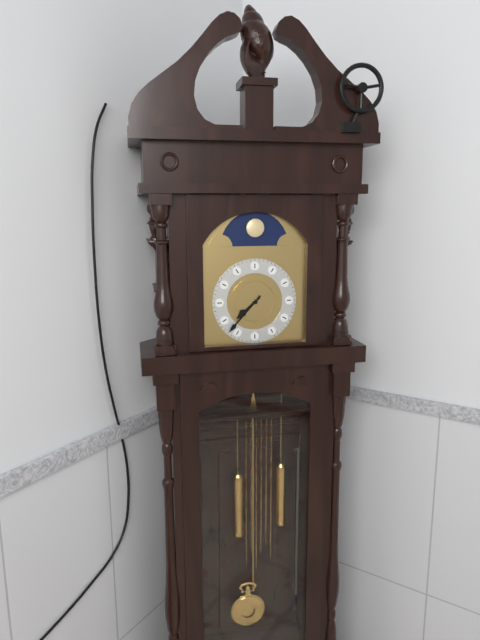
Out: {"hour": 7, "minute": 37}
